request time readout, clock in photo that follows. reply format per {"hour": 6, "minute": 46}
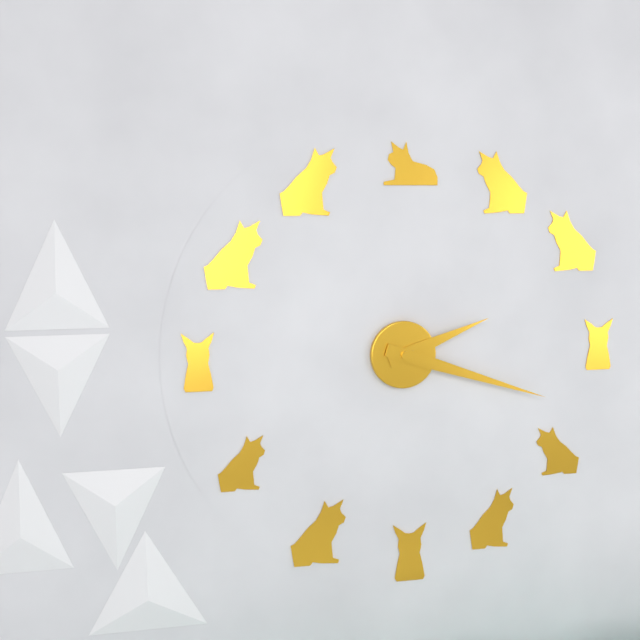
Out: {"hour": 2, "minute": 18}
